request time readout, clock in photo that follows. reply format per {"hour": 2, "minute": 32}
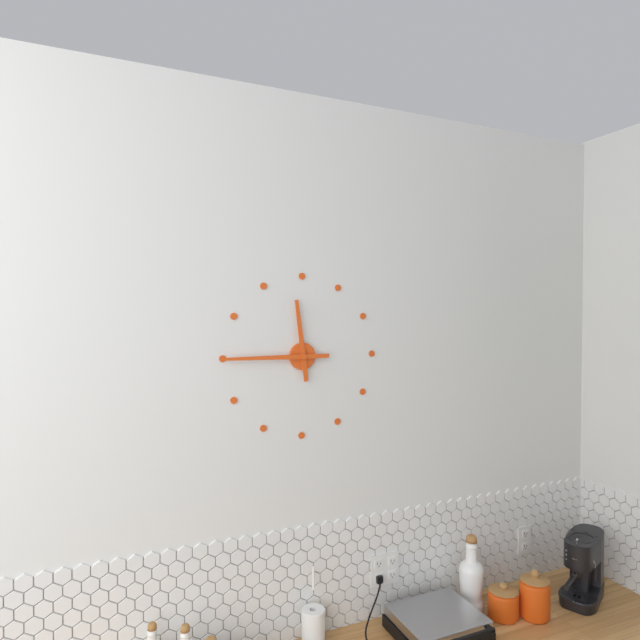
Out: {"hour": 11, "minute": 45}
